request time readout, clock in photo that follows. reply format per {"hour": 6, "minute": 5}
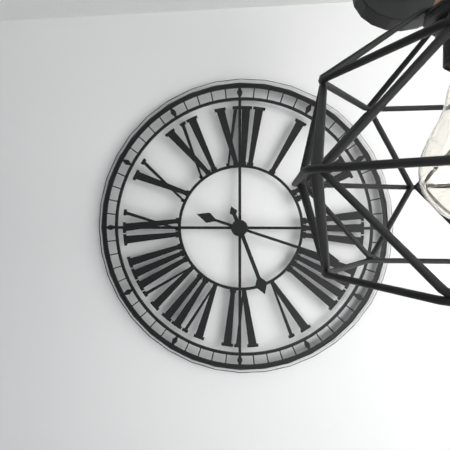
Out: {"hour": 5, "minute": 18}
